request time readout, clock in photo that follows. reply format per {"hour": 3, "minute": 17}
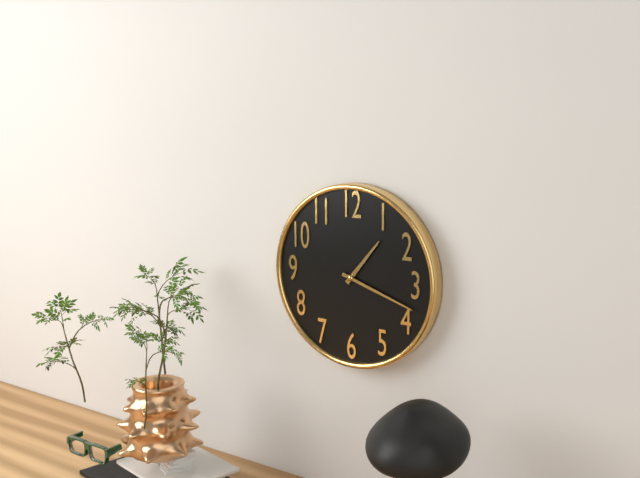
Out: {"hour": 1, "minute": 18}
